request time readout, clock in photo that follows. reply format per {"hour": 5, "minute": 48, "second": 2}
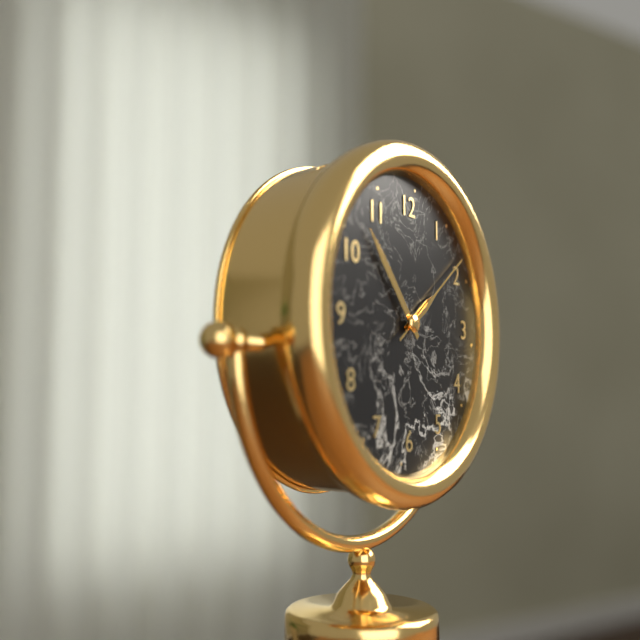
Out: {"hour": 1, "minute": 53, "second": 9}
